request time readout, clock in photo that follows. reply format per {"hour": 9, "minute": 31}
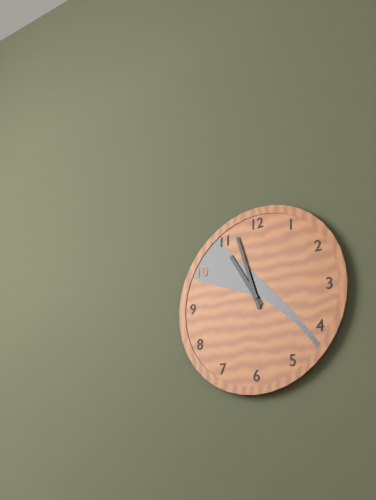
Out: {"hour": 10, "minute": 57}
